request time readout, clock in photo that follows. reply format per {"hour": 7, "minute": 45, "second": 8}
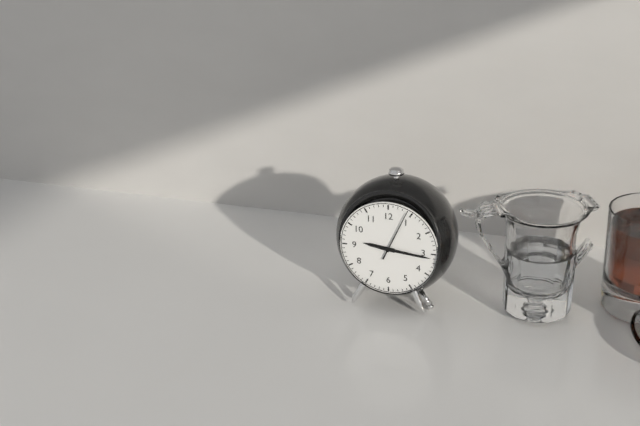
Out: {"hour": 9, "minute": 16, "second": 4}
